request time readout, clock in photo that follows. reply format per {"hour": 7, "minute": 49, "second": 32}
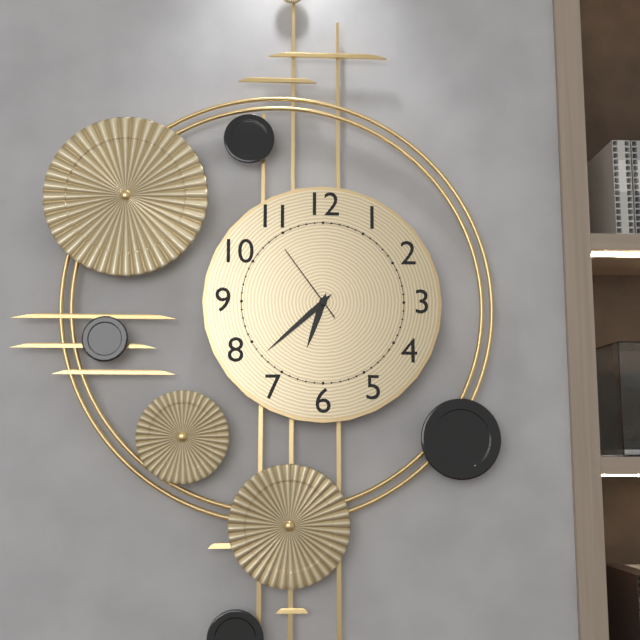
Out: {"hour": 6, "minute": 38, "second": 54}
